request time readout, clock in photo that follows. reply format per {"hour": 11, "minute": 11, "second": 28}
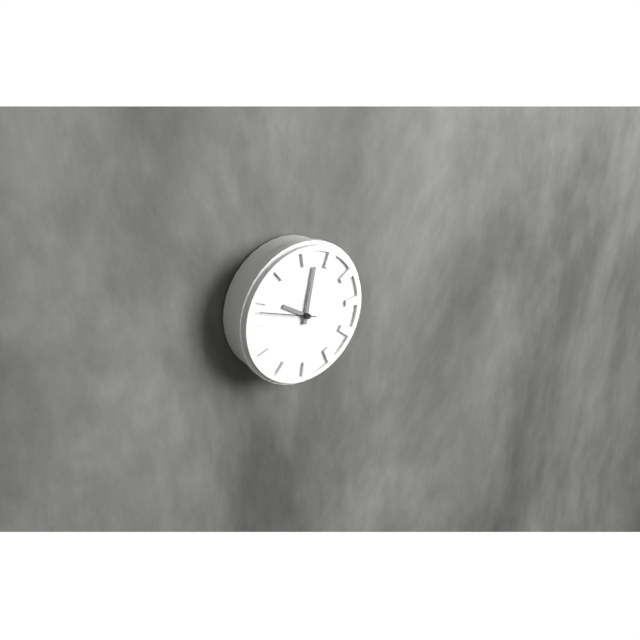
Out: {"hour": 10, "minute": 2, "second": 48}
